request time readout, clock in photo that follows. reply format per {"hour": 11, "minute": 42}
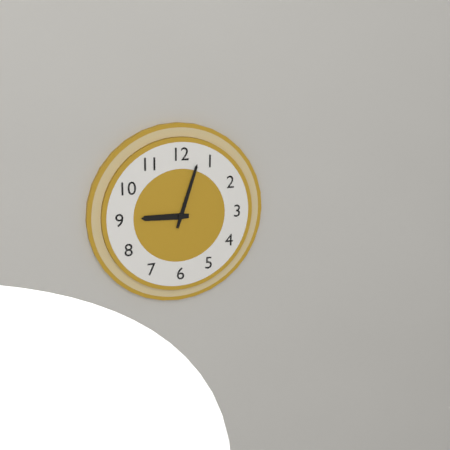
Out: {"hour": 9, "minute": 3}
